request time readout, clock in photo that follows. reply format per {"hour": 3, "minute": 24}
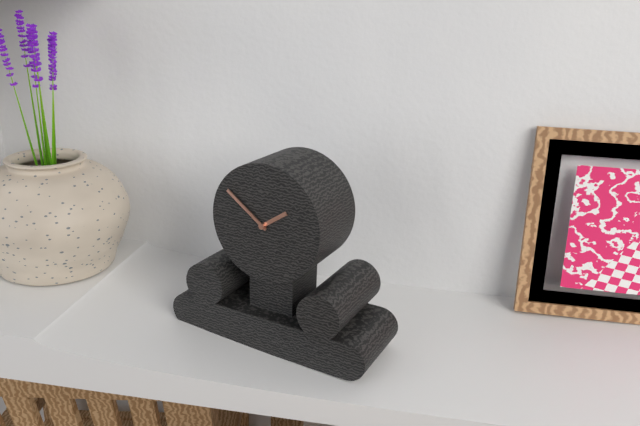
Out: {"hour": 1, "minute": 51}
